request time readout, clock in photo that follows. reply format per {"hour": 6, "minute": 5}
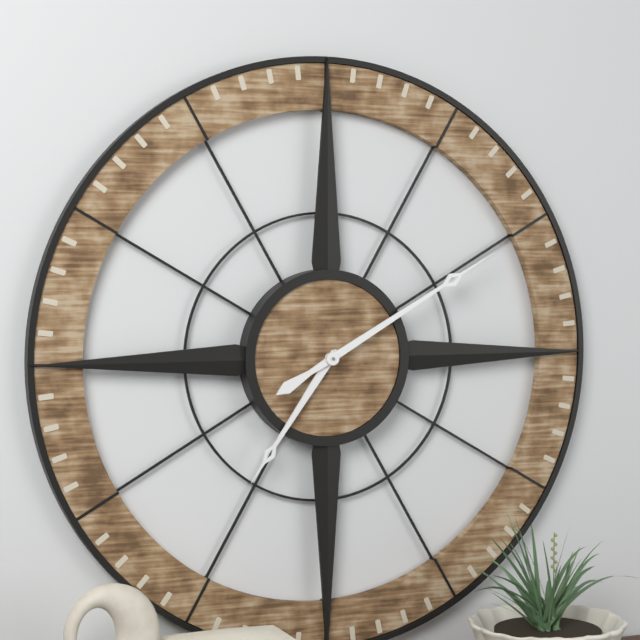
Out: {"hour": 7, "minute": 10}
